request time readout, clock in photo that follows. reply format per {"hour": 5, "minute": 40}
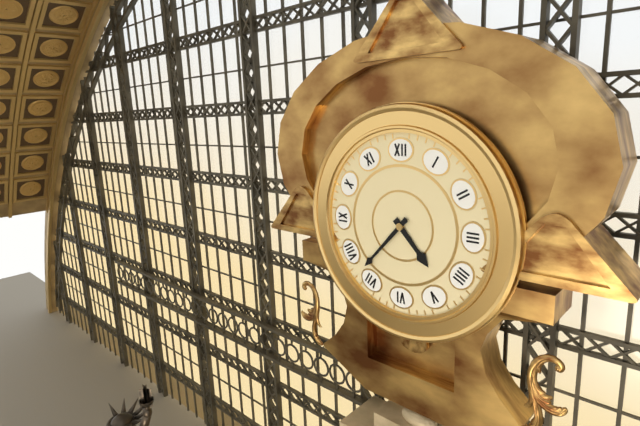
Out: {"hour": 4, "minute": 37}
